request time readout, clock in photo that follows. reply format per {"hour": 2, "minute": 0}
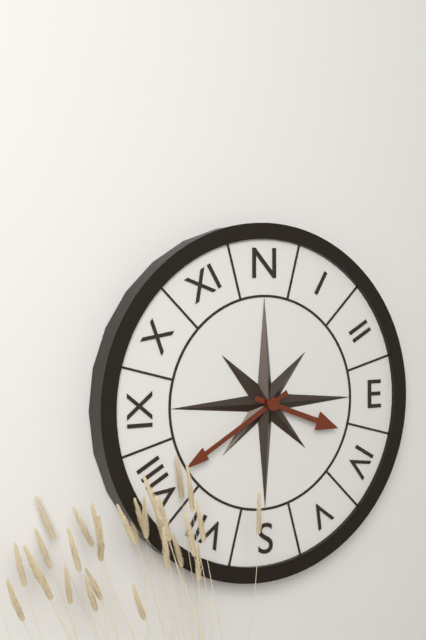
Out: {"hour": 3, "minute": 40}
